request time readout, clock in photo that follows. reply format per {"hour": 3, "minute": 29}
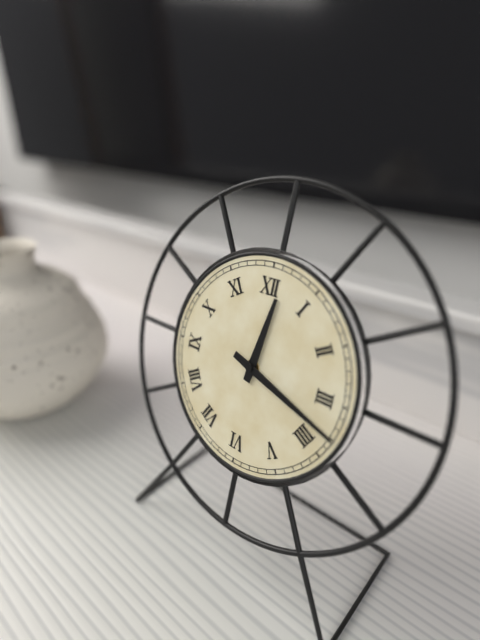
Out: {"hour": 12, "minute": 18}
